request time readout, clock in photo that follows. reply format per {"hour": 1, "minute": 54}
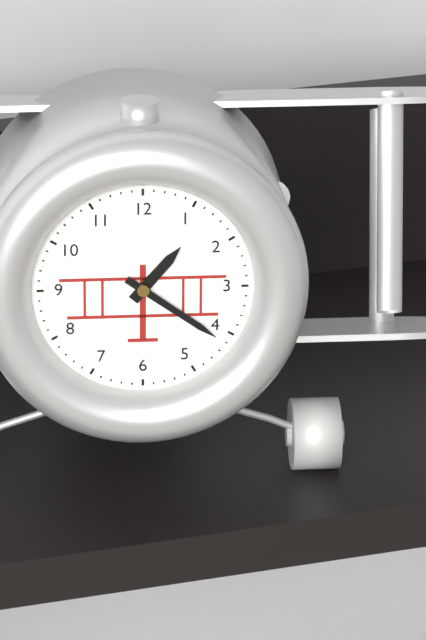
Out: {"hour": 1, "minute": 21}
